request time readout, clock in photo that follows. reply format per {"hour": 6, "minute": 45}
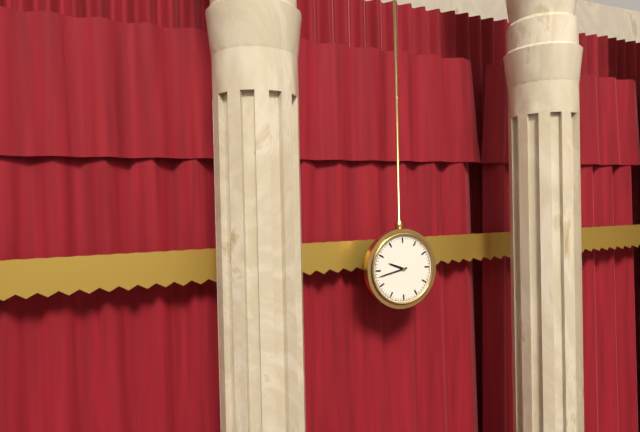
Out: {"hour": 9, "minute": 43}
